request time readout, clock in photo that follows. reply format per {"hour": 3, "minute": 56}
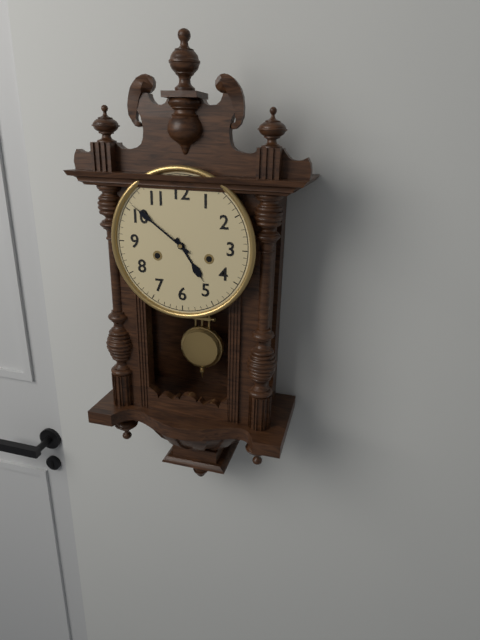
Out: {"hour": 4, "minute": 51}
